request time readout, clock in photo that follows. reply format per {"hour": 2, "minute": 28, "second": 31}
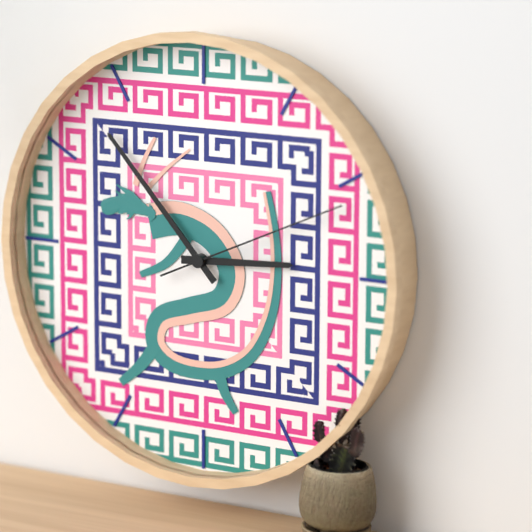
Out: {"hour": 2, "minute": 53, "second": 11}
